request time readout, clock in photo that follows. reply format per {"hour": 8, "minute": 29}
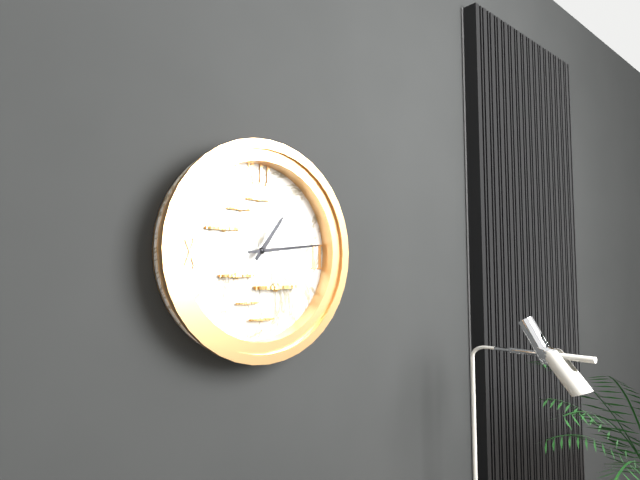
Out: {"hour": 1, "minute": 14}
